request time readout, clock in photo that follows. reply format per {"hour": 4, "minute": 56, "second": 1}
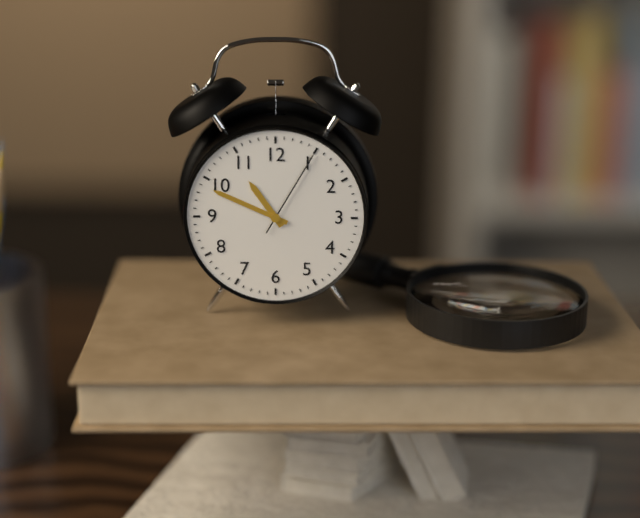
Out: {"hour": 10, "minute": 49, "second": 5}
